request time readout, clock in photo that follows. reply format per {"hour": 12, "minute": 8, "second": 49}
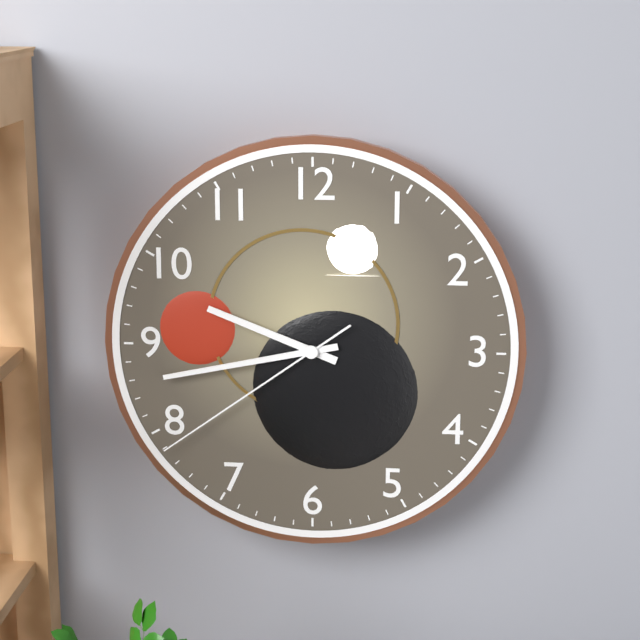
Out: {"hour": 9, "minute": 43, "second": 39}
